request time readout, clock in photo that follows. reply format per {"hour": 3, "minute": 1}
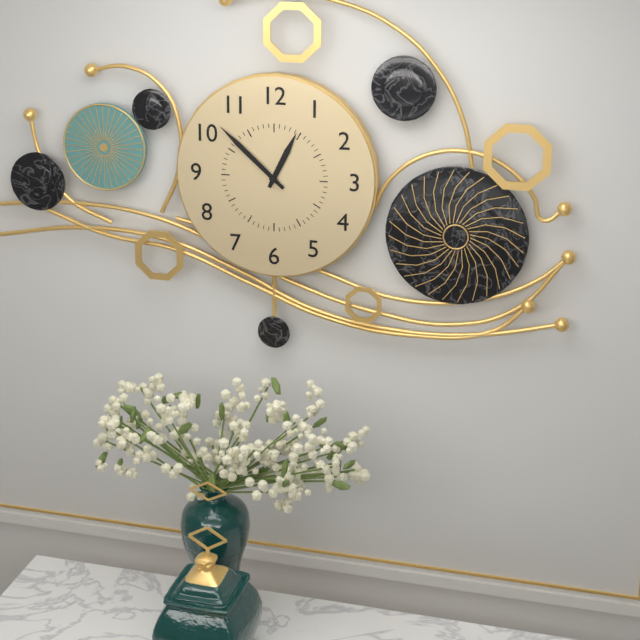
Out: {"hour": 12, "minute": 52}
